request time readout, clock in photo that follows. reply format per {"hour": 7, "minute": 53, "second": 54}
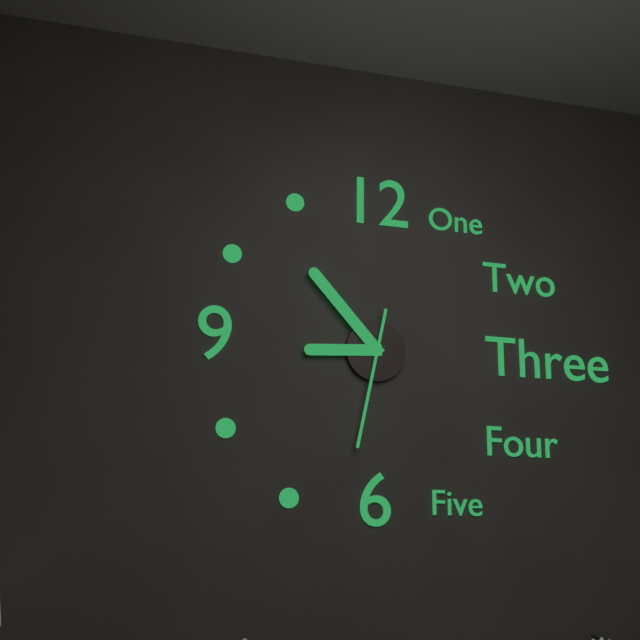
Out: {"hour": 8, "minute": 53, "second": 32}
